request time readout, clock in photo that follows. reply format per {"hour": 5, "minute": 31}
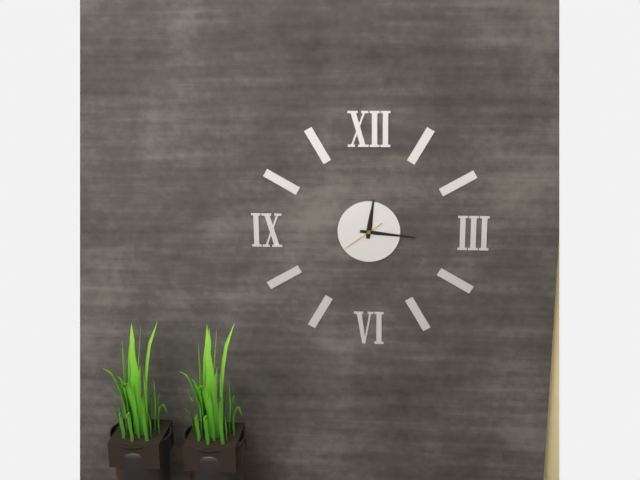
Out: {"hour": 12, "minute": 16}
